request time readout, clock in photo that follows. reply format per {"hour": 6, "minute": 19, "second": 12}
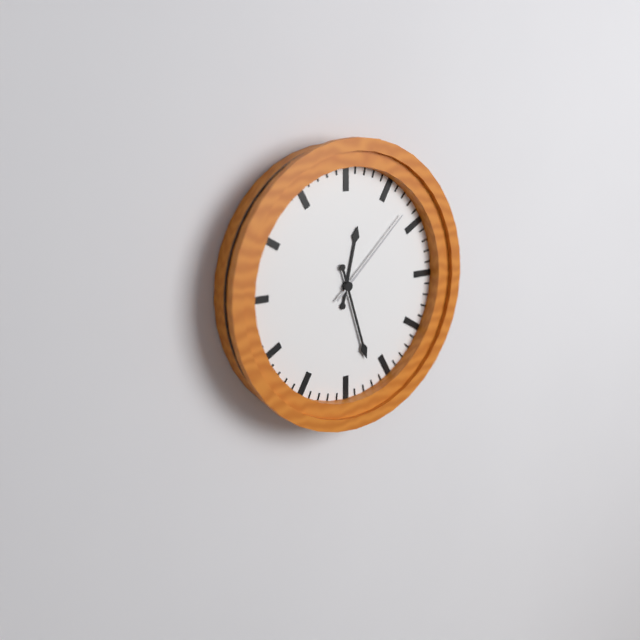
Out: {"hour": 12, "minute": 27, "second": 8}
